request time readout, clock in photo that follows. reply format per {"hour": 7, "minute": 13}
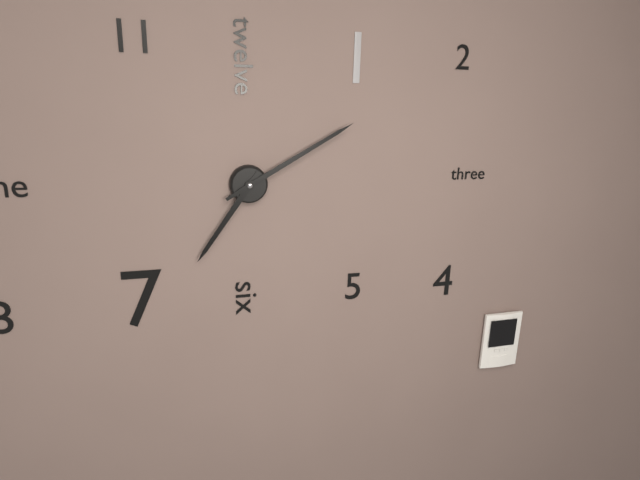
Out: {"hour": 7, "minute": 10}
